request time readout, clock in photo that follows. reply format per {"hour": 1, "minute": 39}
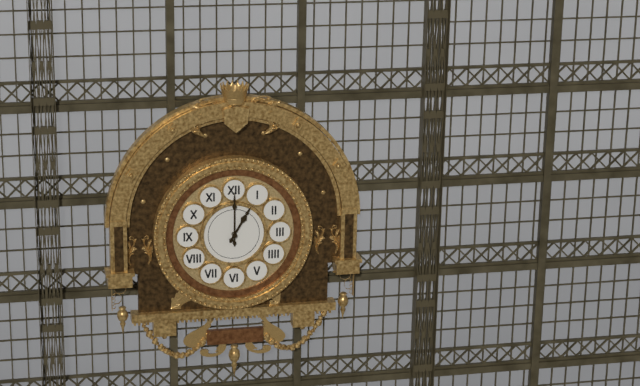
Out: {"hour": 1, "minute": 0}
